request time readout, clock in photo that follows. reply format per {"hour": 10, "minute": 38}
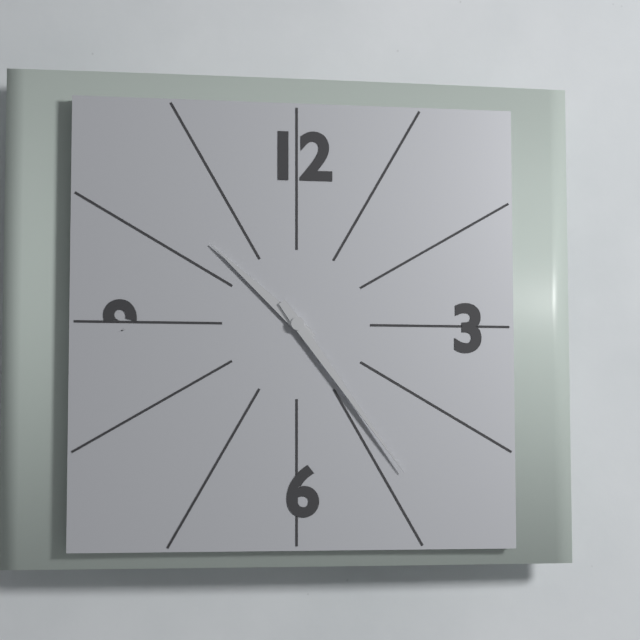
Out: {"hour": 10, "minute": 24}
